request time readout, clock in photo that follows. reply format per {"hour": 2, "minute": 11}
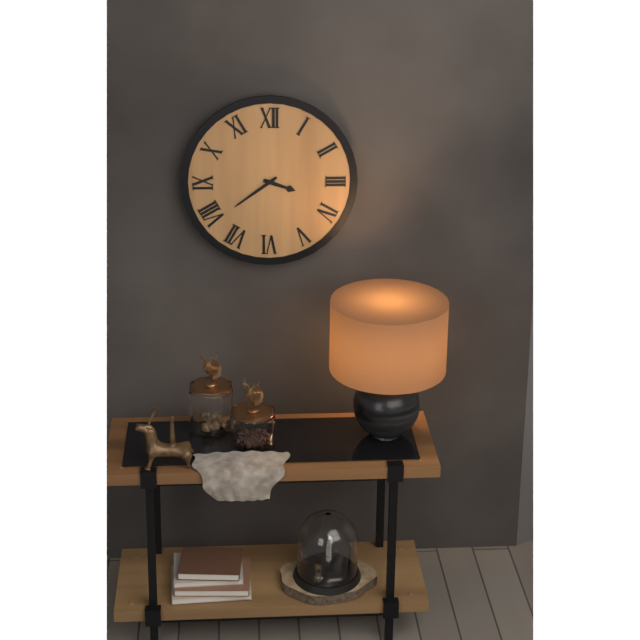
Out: {"hour": 3, "minute": 39}
